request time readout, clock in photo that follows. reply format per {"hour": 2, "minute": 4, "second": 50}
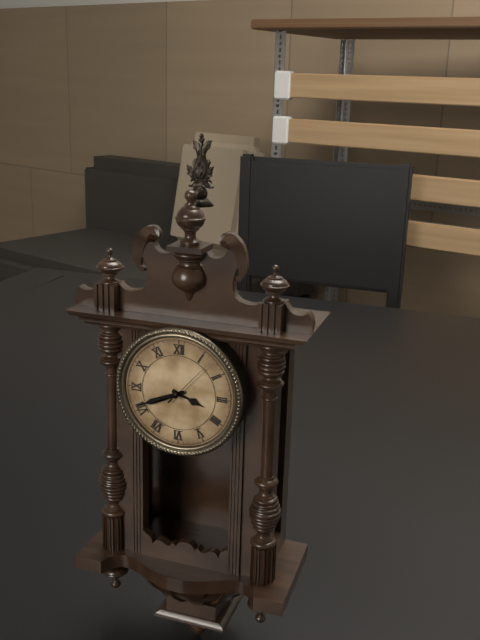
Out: {"hour": 3, "minute": 41, "second": 7}
